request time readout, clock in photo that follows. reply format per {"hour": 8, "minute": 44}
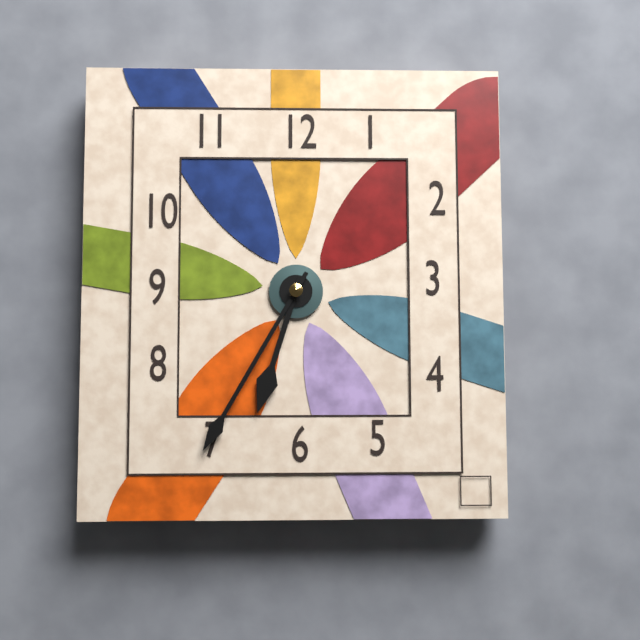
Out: {"hour": 6, "minute": 35}
